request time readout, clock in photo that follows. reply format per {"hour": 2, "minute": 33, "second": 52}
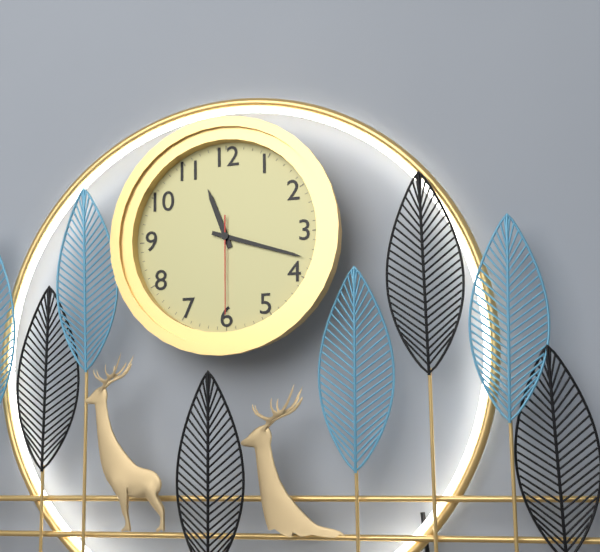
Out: {"hour": 11, "minute": 18, "second": 30}
